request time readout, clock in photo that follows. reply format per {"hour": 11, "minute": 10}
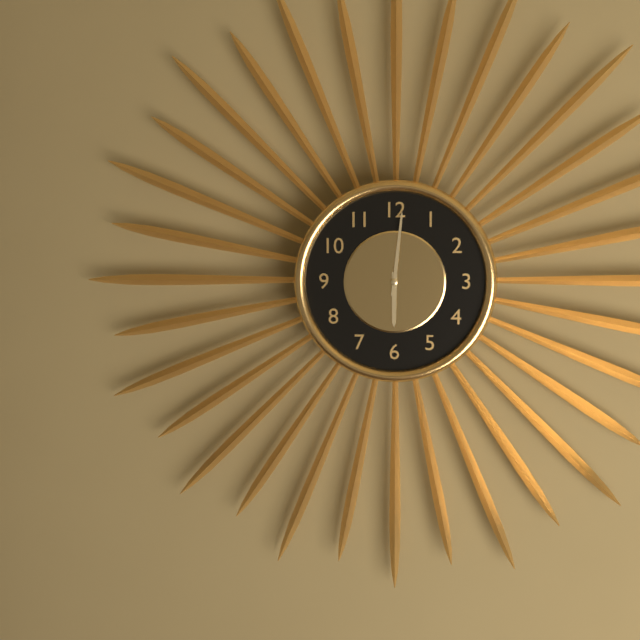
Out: {"hour": 6, "minute": 1}
